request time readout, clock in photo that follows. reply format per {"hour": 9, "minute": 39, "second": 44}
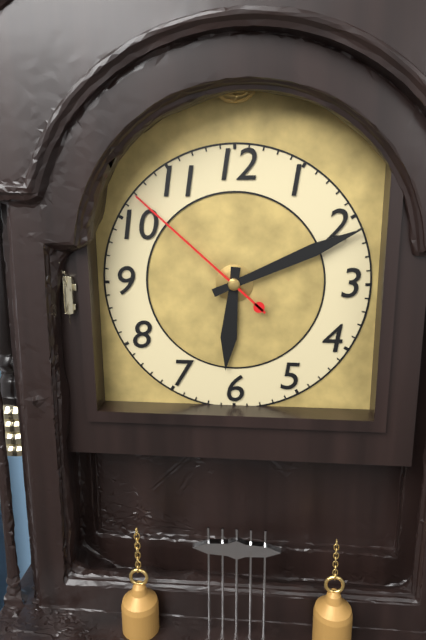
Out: {"hour": 6, "minute": 11, "second": 52}
